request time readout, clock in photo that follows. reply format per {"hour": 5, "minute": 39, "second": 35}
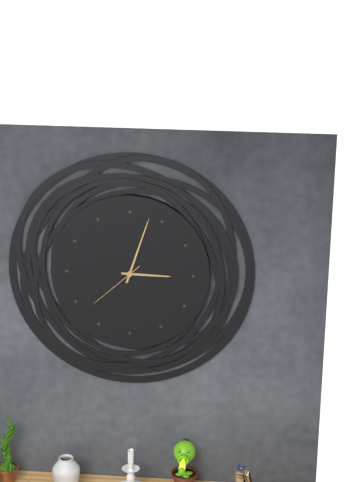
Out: {"hour": 3, "minute": 3, "second": 38}
